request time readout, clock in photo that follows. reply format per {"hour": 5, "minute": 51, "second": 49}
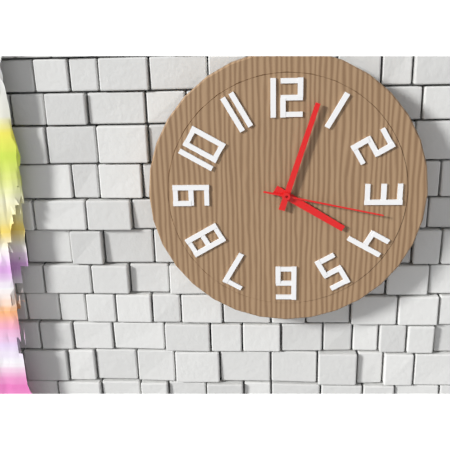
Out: {"hour": 4, "minute": 3, "second": 17}
